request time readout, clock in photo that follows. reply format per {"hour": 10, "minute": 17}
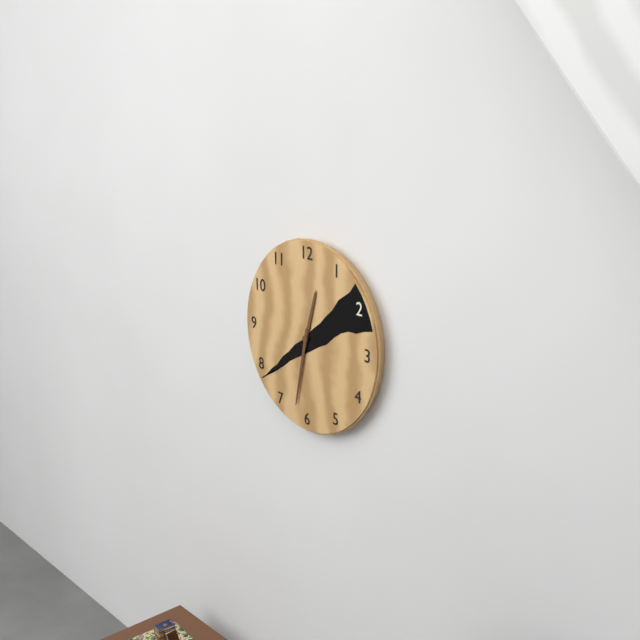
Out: {"hour": 12, "minute": 32}
